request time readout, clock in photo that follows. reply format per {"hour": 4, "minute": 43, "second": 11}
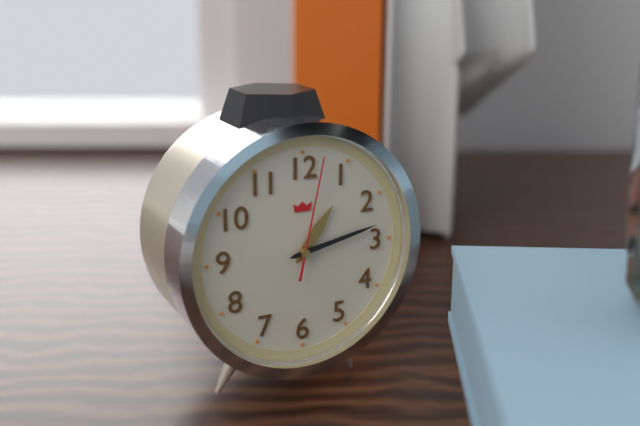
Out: {"hour": 1, "minute": 13, "second": 2}
